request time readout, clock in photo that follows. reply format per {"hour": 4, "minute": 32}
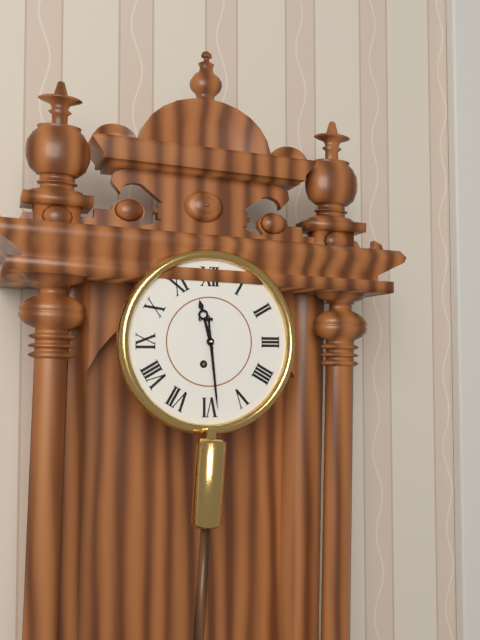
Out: {"hour": 11, "minute": 29}
